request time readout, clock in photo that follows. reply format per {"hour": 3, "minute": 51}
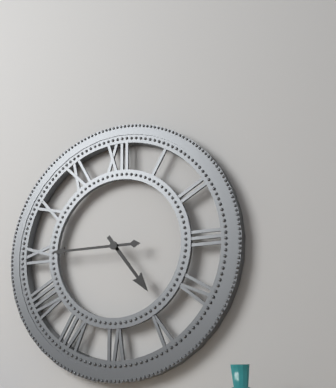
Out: {"hour": 4, "minute": 45}
